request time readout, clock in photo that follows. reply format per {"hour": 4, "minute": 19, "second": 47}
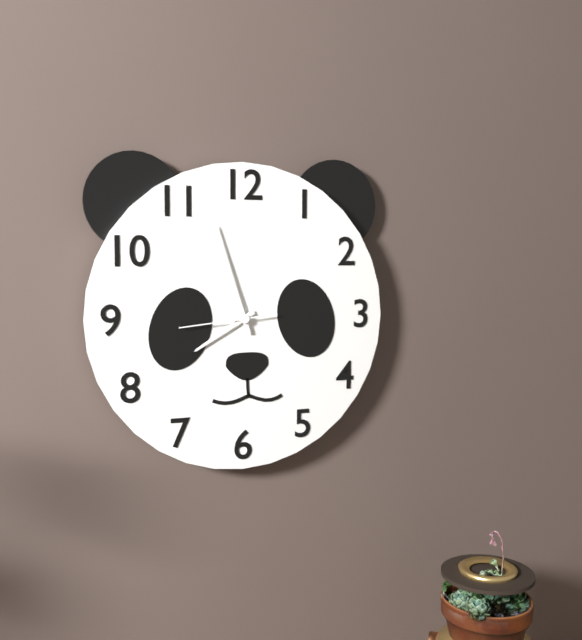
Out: {"hour": 7, "minute": 57, "second": 44}
